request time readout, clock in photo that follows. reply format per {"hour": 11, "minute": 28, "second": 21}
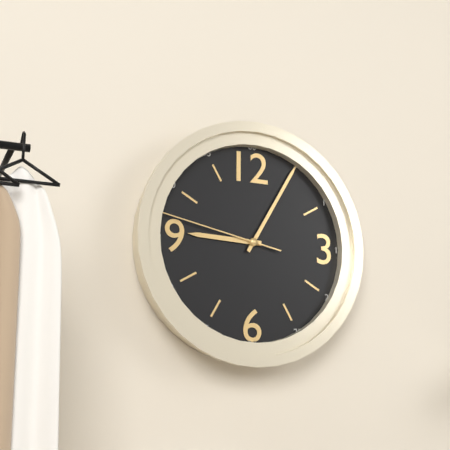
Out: {"hour": 9, "minute": 5, "second": 47}
